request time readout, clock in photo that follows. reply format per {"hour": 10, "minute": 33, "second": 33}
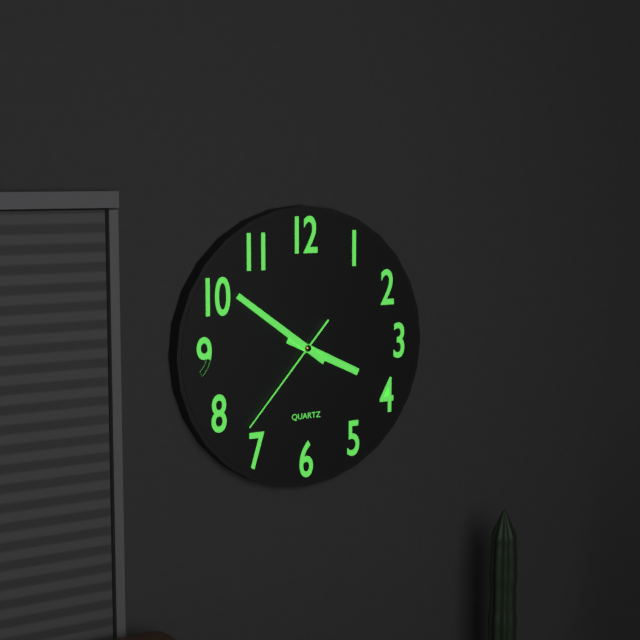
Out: {"hour": 3, "minute": 51, "second": 37}
